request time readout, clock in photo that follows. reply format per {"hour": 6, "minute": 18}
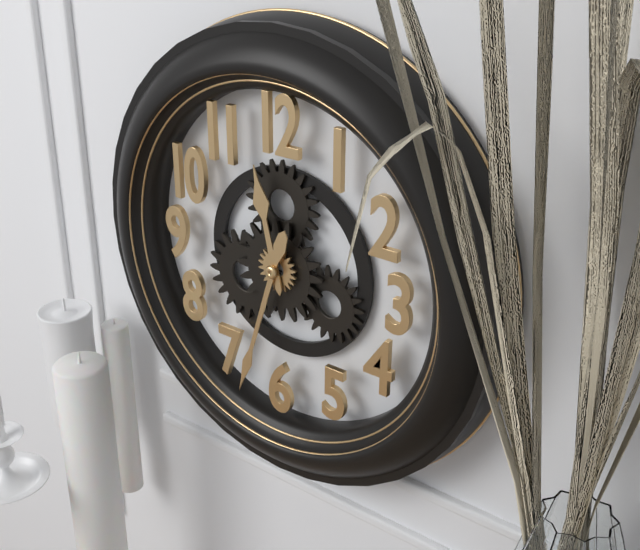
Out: {"hour": 11, "minute": 33}
